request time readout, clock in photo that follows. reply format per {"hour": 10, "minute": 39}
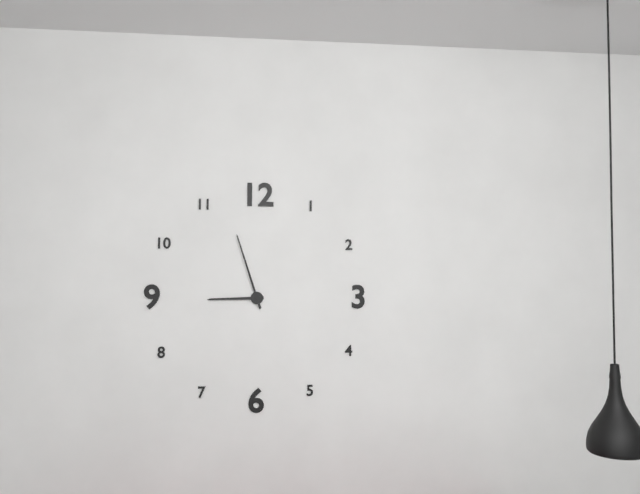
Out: {"hour": 8, "minute": 57}
